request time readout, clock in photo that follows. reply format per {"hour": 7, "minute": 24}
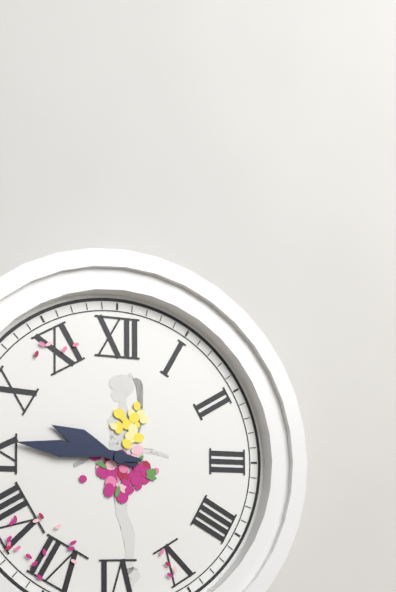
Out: {"hour": 9, "minute": 46}
